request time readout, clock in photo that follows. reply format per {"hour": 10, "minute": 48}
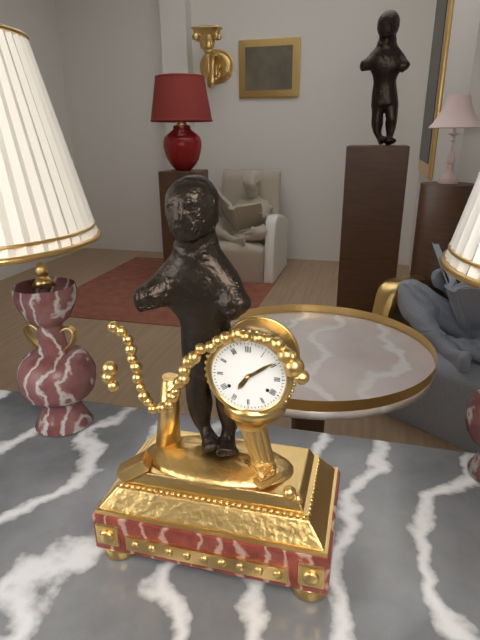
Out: {"hour": 7, "minute": 9}
